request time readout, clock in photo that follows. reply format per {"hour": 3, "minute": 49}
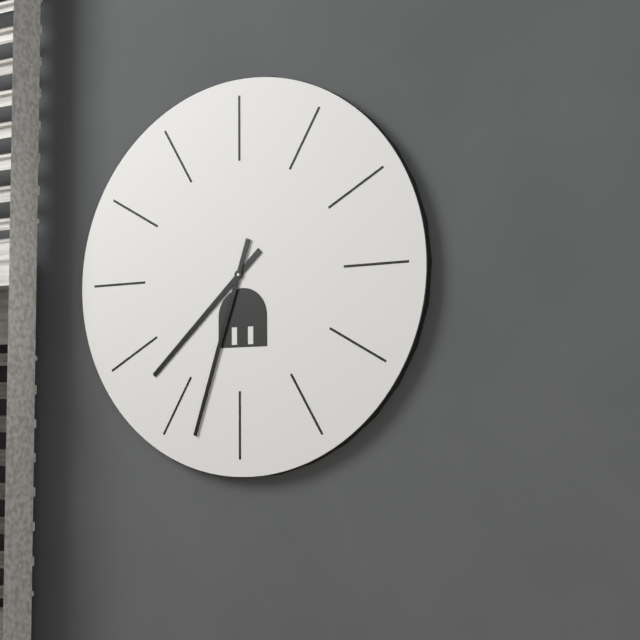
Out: {"hour": 7, "minute": 33}
